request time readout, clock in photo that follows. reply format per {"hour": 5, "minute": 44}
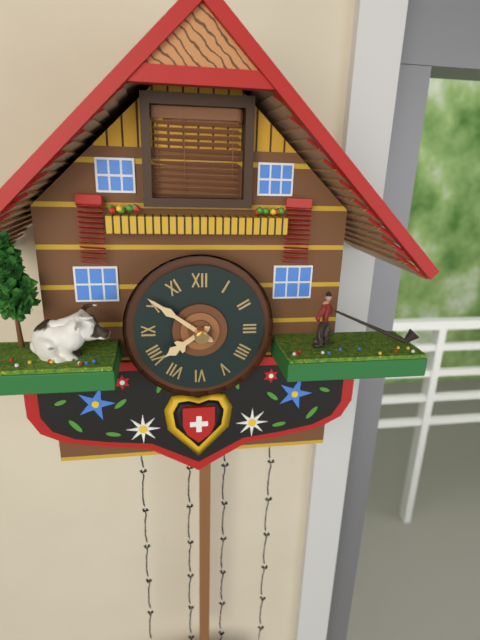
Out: {"hour": 7, "minute": 51}
